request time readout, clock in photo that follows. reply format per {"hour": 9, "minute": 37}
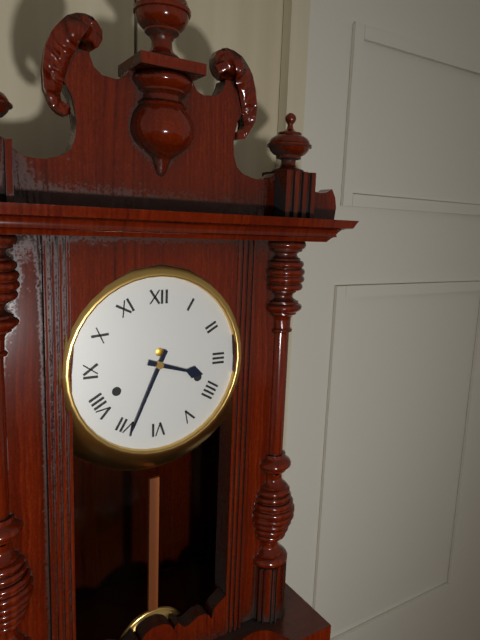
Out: {"hour": 3, "minute": 34}
